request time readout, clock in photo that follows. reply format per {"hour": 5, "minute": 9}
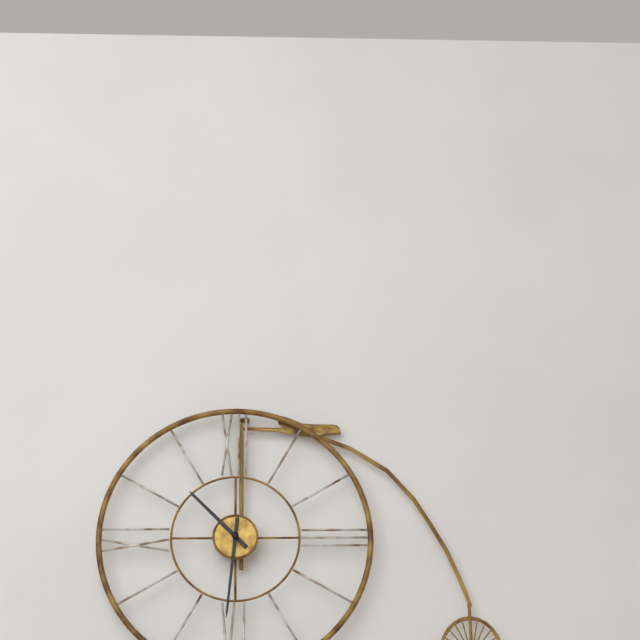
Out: {"hour": 10, "minute": 31}
